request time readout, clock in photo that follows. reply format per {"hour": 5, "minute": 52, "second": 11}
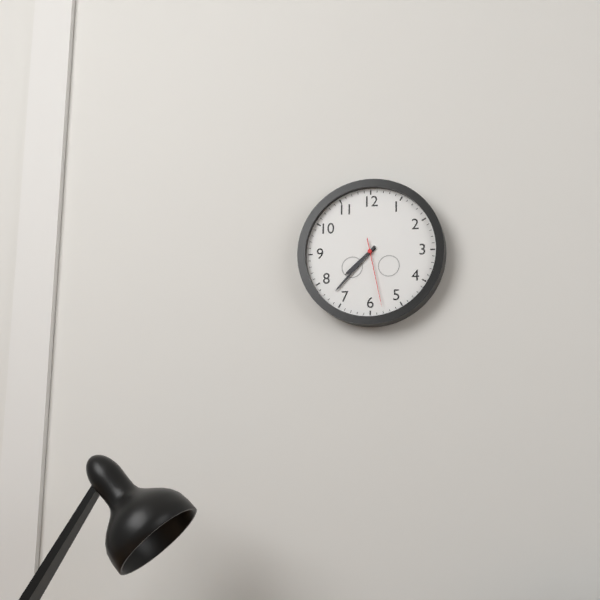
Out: {"hour": 7, "minute": 37, "second": 28}
